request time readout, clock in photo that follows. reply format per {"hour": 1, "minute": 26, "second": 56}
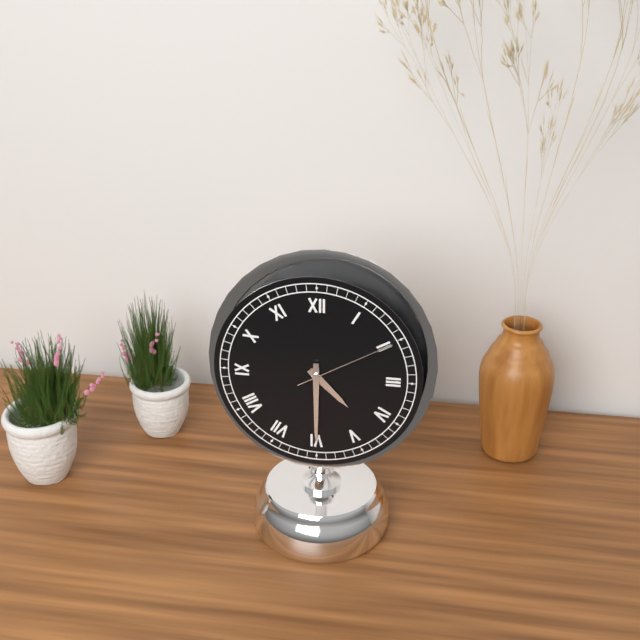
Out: {"hour": 4, "minute": 30, "second": 10}
